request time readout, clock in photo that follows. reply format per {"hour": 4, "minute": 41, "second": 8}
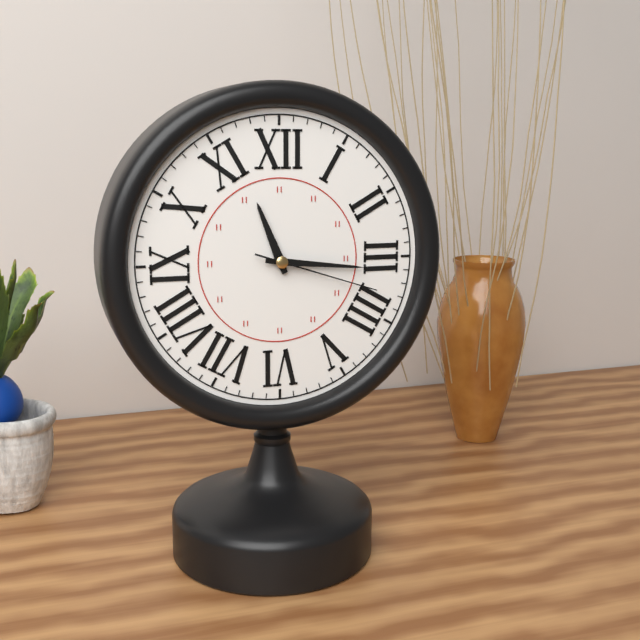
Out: {"hour": 11, "minute": 16, "second": 18}
